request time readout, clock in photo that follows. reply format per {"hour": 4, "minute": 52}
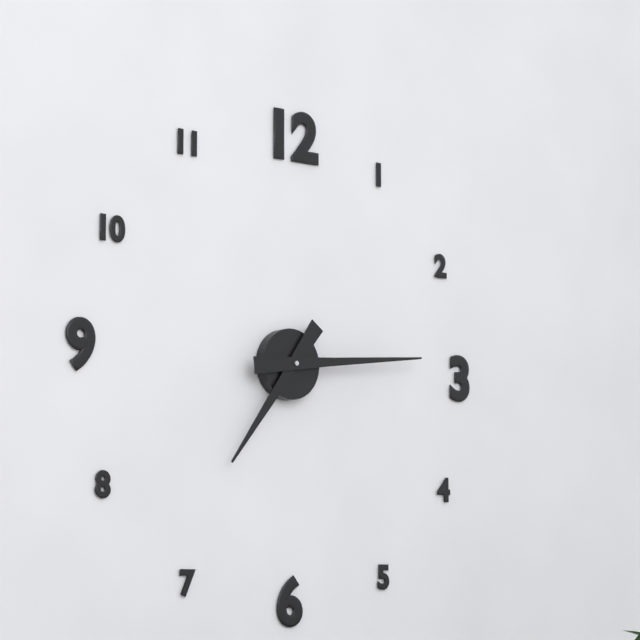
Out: {"hour": 7, "minute": 14}
